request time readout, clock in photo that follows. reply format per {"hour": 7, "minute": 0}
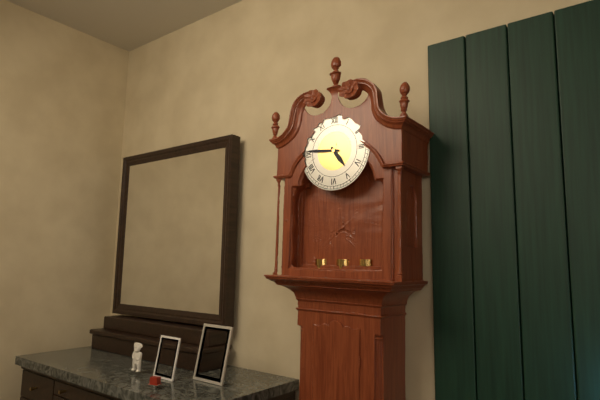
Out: {"hour": 4, "minute": 46}
